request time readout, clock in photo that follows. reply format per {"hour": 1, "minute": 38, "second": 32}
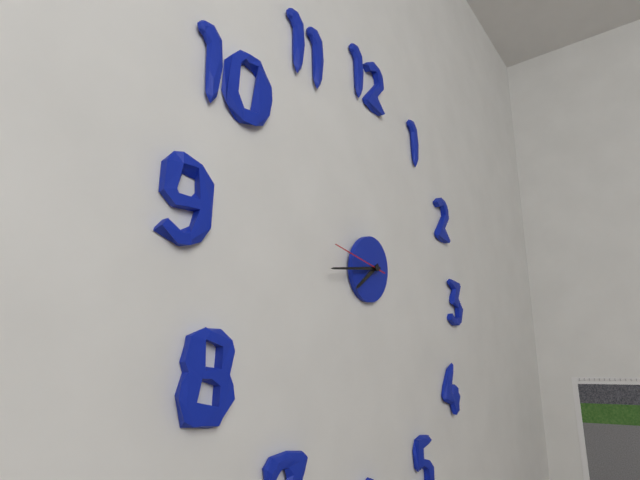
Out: {"hour": 7, "minute": 43, "second": 46}
